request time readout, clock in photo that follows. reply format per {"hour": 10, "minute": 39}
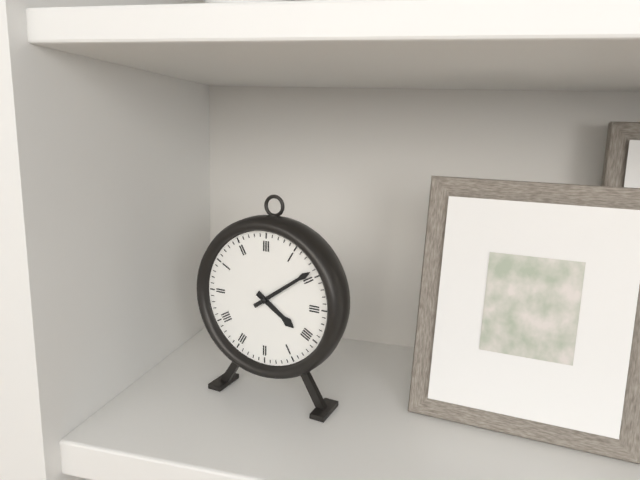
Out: {"hour": 4, "minute": 9}
